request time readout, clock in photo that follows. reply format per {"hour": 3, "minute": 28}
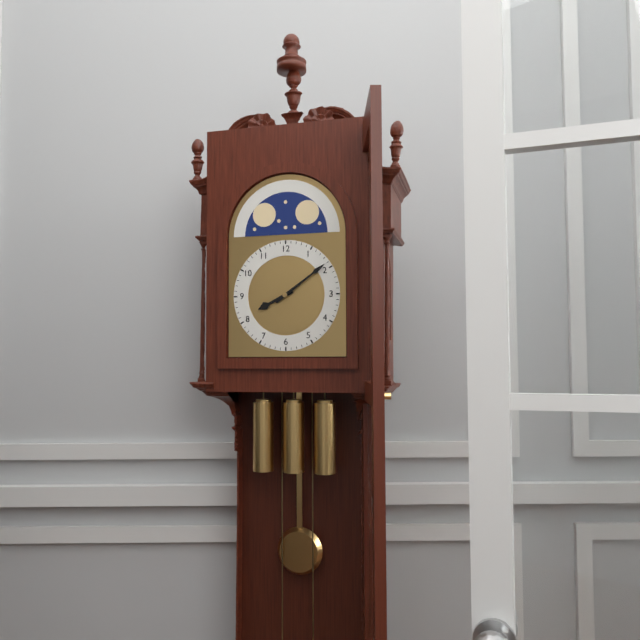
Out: {"hour": 8, "minute": 9}
